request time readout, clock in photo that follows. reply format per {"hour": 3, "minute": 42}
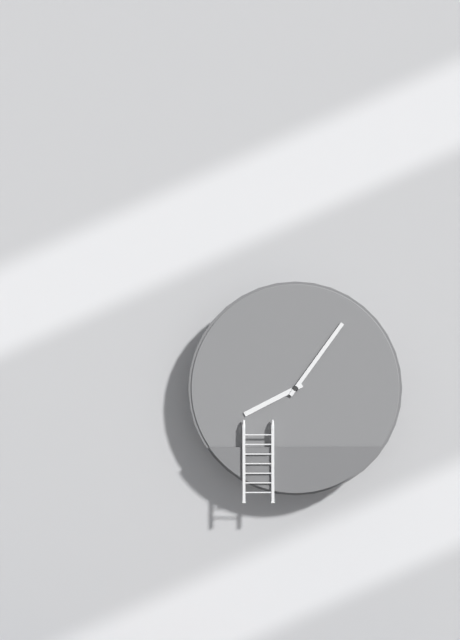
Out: {"hour": 8, "minute": 6}
